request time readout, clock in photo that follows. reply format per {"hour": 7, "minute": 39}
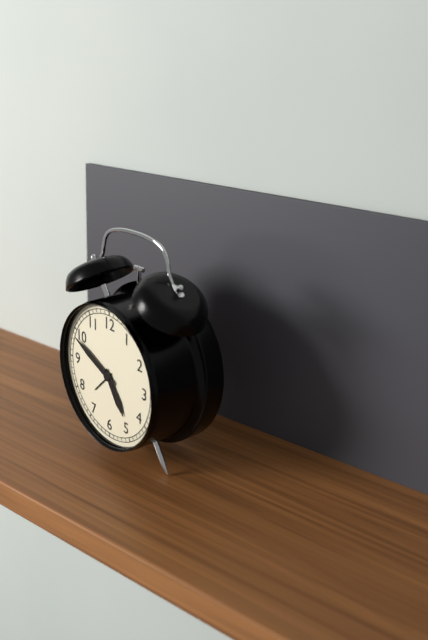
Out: {"hour": 4, "minute": 49}
